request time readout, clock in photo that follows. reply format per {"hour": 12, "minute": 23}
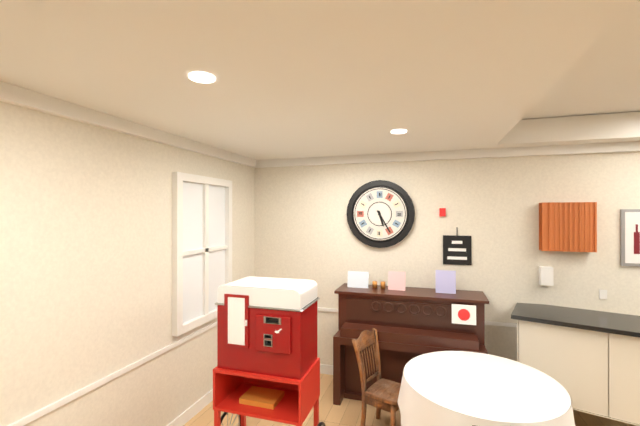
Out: {"hour": 5, "minute": 25}
